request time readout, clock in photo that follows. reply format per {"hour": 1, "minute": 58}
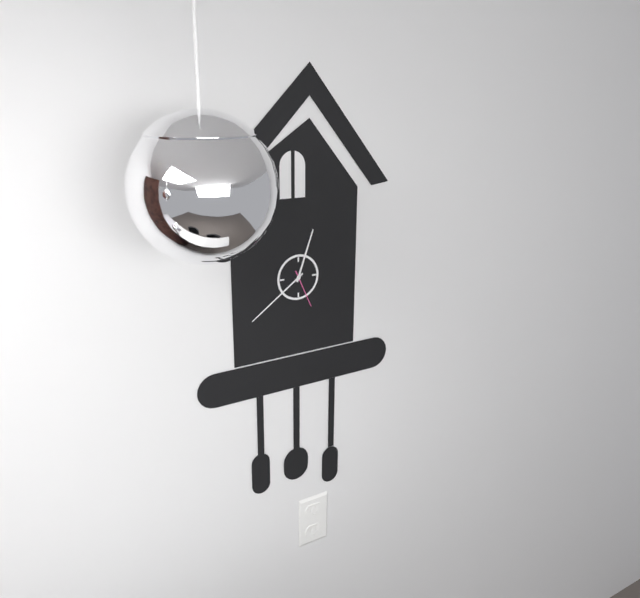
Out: {"hour": 12, "minute": 39}
